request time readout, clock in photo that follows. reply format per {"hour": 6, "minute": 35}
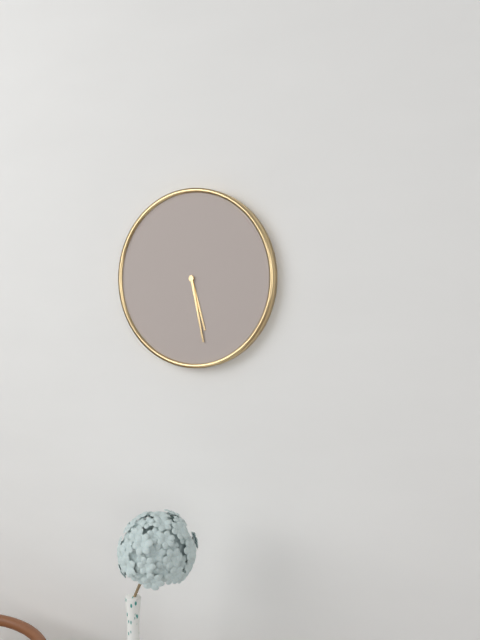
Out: {"hour": 5, "minute": 28}
